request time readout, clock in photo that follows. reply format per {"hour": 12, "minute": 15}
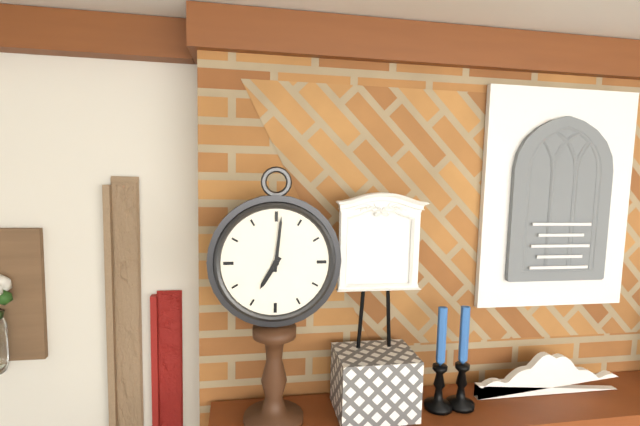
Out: {"hour": 7, "minute": 1}
